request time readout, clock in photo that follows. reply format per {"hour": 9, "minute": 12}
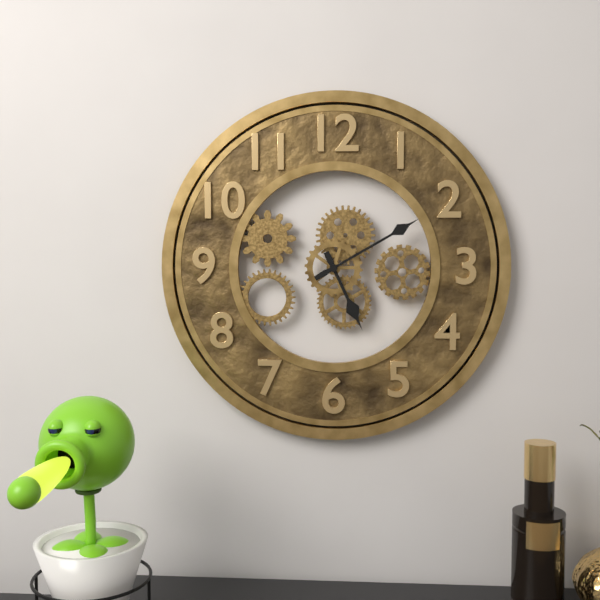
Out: {"hour": 5, "minute": 10}
